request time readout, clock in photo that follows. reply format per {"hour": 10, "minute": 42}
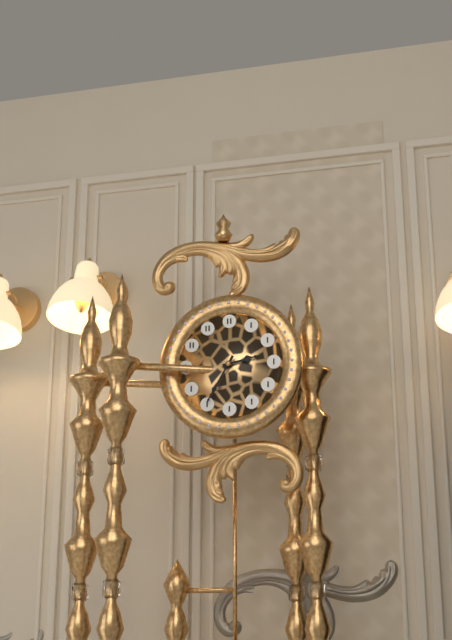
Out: {"hour": 2, "minute": 35}
